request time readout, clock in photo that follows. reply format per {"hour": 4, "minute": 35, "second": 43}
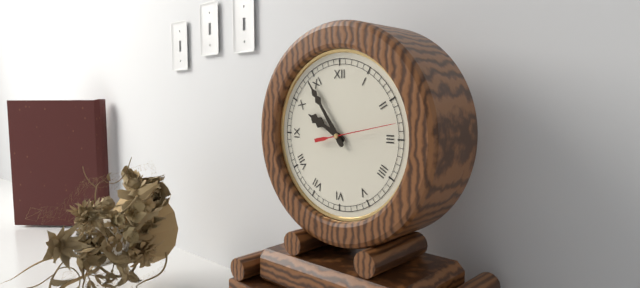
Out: {"hour": 9, "minute": 54, "second": 13}
